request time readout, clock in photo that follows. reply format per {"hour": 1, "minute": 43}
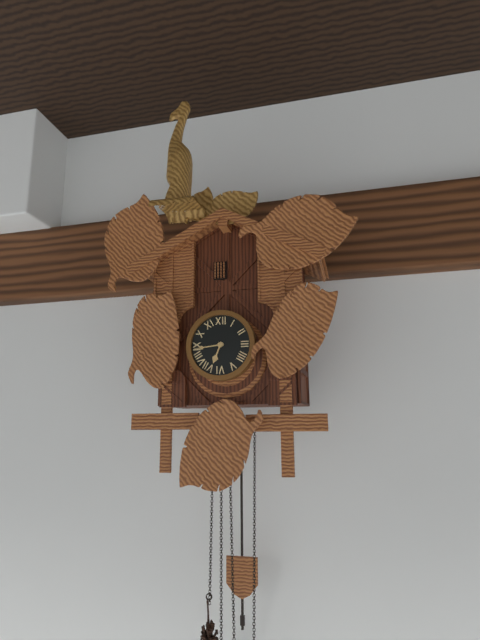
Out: {"hour": 6, "minute": 44}
